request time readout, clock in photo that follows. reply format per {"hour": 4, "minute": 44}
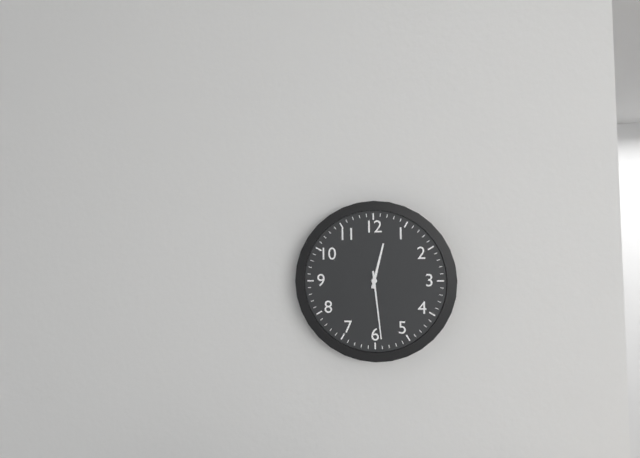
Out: {"hour": 12, "minute": 29}
